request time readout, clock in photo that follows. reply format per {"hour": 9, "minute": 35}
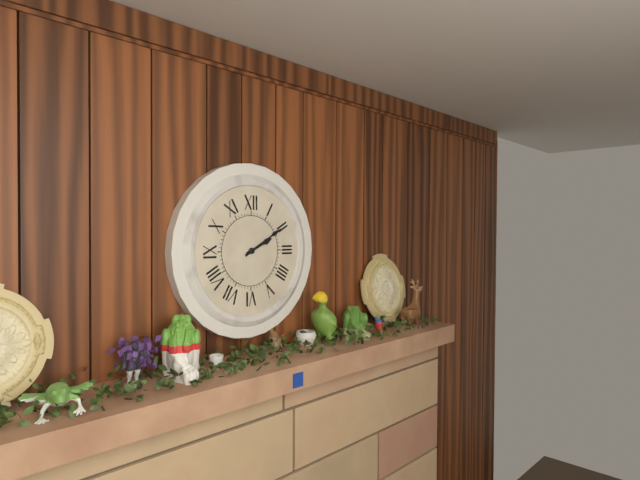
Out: {"hour": 2, "minute": 10}
